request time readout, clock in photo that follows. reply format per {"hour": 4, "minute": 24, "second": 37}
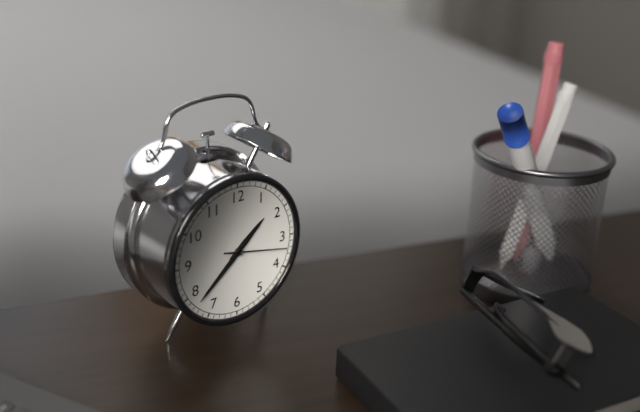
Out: {"hour": 1, "minute": 38, "second": 17}
